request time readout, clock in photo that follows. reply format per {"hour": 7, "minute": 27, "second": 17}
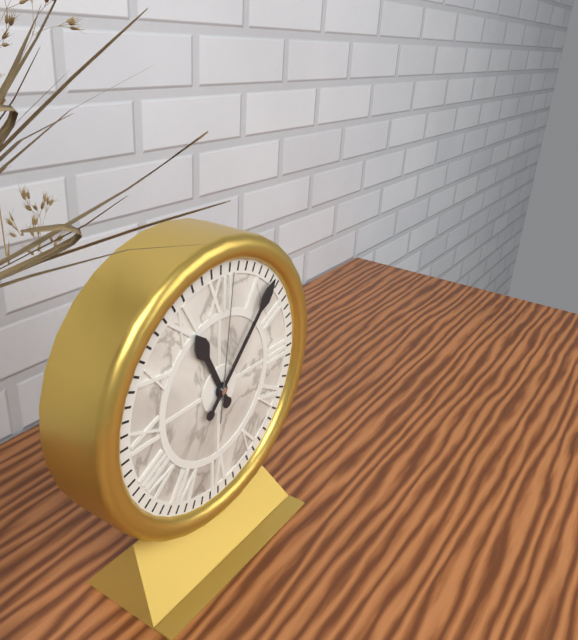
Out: {"hour": 11, "minute": 7, "second": 1}
